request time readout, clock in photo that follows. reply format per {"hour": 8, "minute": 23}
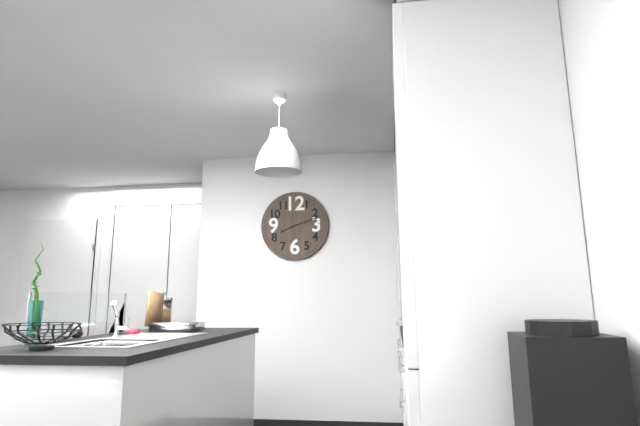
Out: {"hour": 8, "minute": 12}
